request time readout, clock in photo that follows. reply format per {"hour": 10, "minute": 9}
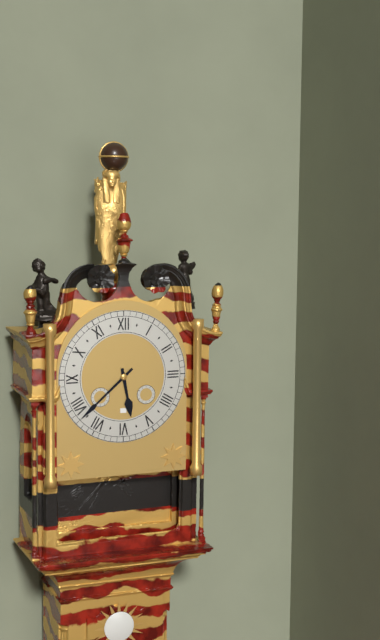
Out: {"hour": 5, "minute": 38}
